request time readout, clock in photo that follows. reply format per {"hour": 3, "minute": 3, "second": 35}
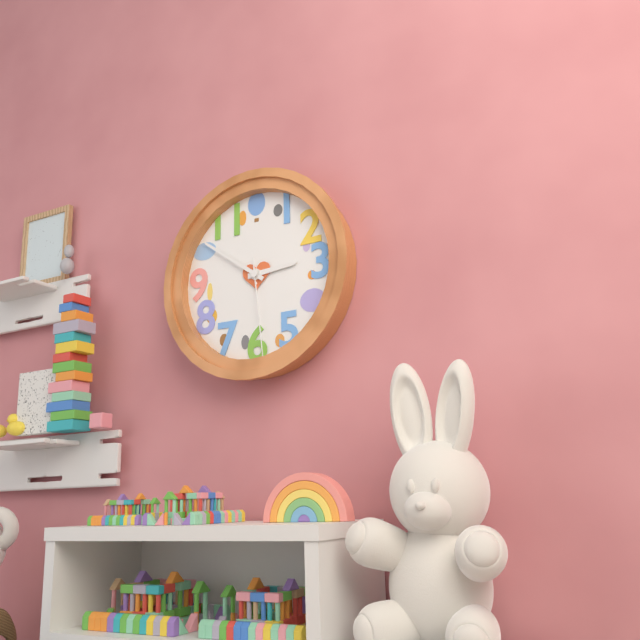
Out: {"hour": 2, "minute": 51, "second": 29}
